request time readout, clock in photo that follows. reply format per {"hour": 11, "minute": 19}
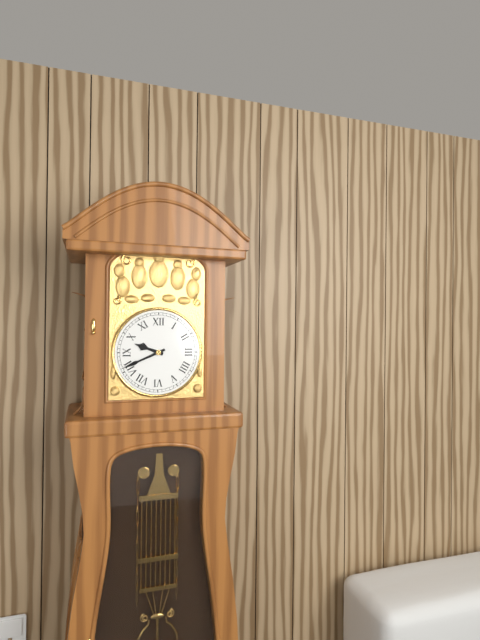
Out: {"hour": 9, "minute": 41}
